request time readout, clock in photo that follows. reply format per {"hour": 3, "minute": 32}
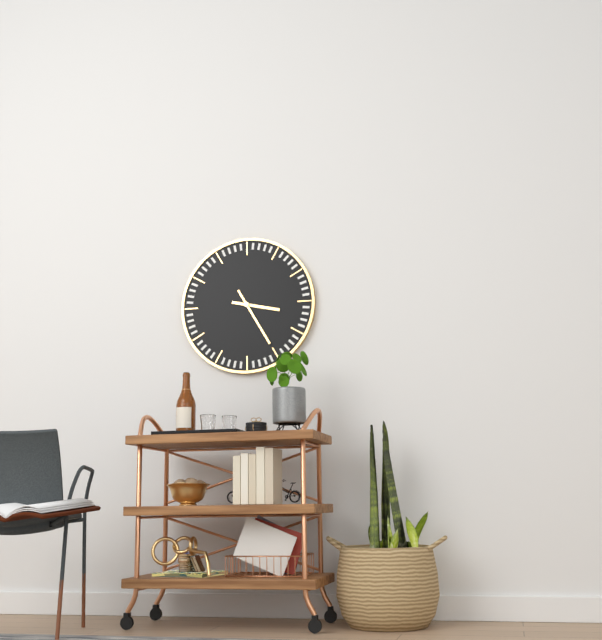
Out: {"hour": 3, "minute": 25}
